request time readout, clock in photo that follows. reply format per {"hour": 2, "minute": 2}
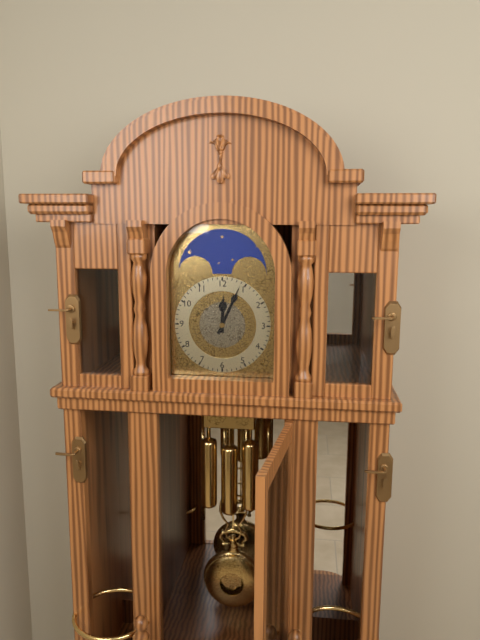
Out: {"hour": 12, "minute": 4}
